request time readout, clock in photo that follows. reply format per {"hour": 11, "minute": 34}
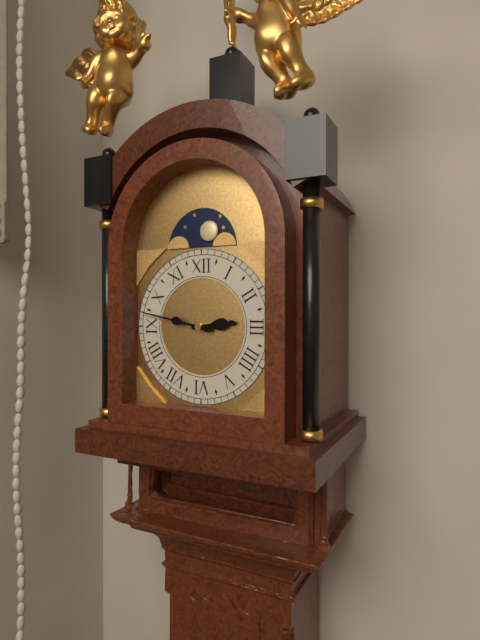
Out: {"hour": 2, "minute": 47}
